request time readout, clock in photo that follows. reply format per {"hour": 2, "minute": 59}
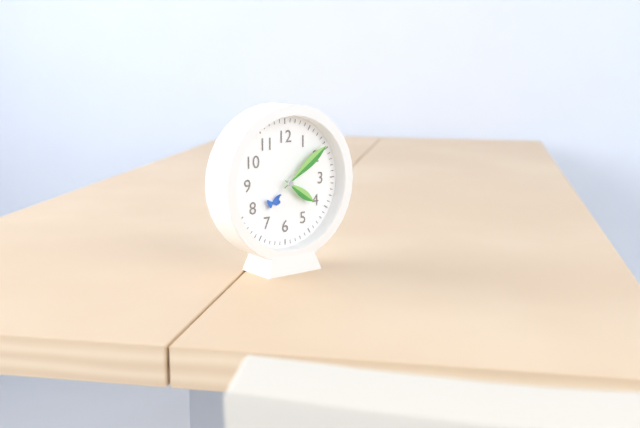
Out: {"hour": 4, "minute": 9}
